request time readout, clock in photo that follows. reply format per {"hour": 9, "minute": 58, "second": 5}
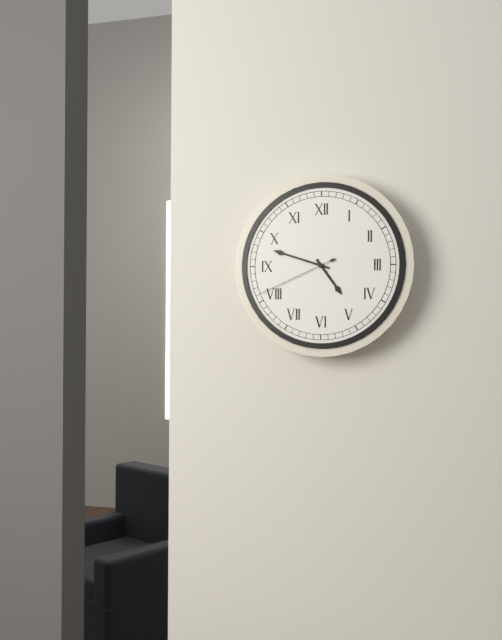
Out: {"hour": 4, "minute": 48, "second": 41}
